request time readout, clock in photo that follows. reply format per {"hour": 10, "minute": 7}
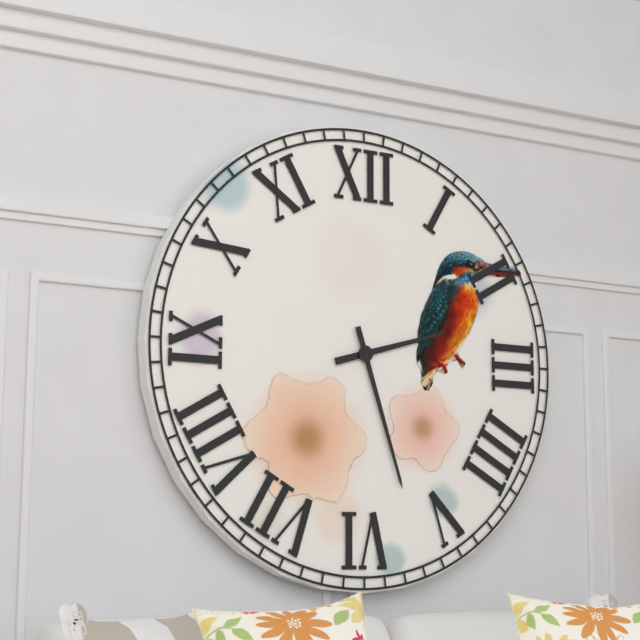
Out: {"hour": 2, "minute": 27}
